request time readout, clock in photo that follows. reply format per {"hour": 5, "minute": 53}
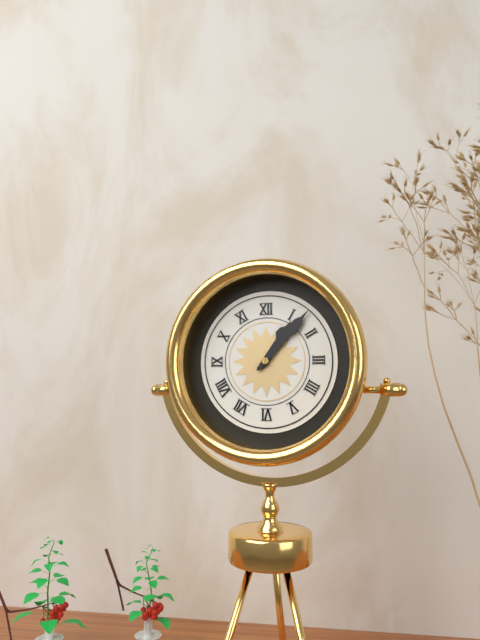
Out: {"hour": 1, "minute": 7}
